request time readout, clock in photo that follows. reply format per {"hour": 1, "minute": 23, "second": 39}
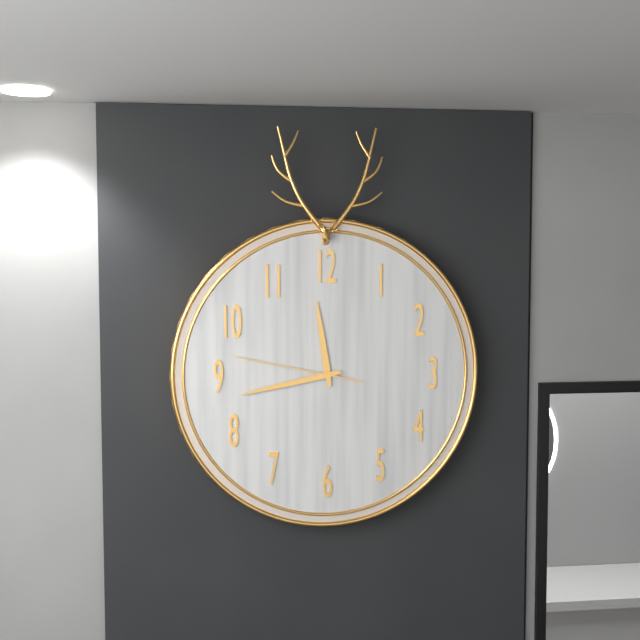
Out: {"hour": 11, "minute": 43, "second": 47}
